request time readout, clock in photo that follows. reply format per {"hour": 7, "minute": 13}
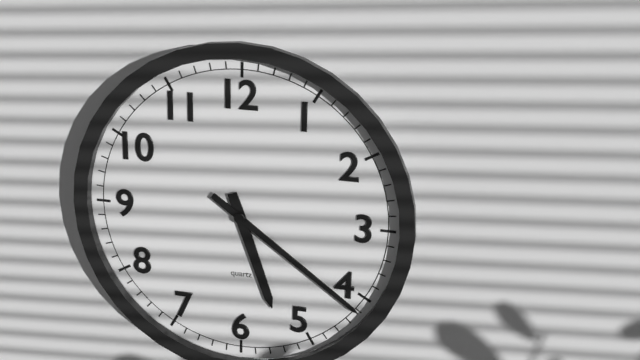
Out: {"hour": 5, "minute": 21}
